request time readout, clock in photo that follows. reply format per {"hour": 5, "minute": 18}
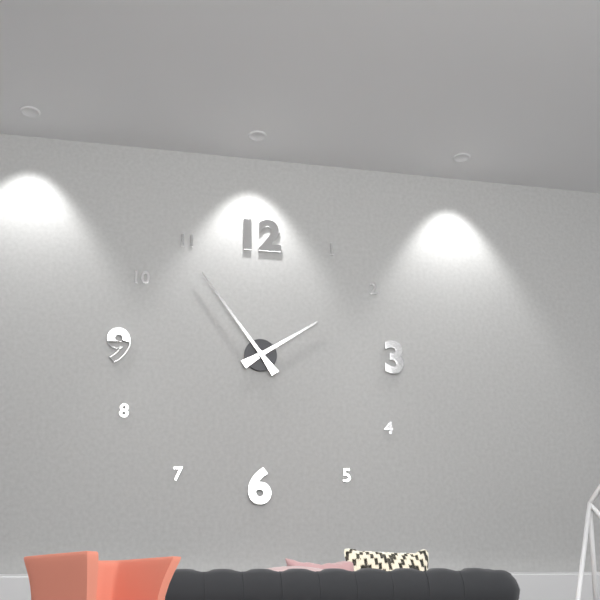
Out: {"hour": 1, "minute": 54}
